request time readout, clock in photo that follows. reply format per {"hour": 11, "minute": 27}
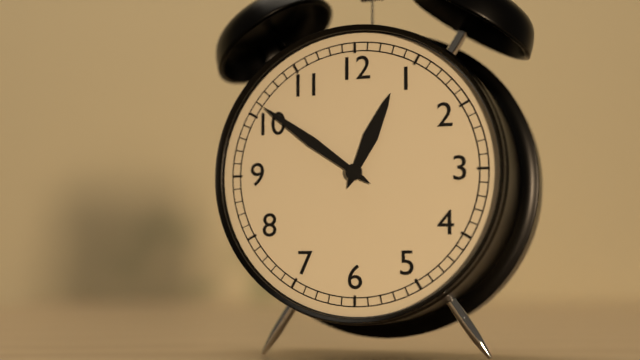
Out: {"hour": 12, "minute": 51}
